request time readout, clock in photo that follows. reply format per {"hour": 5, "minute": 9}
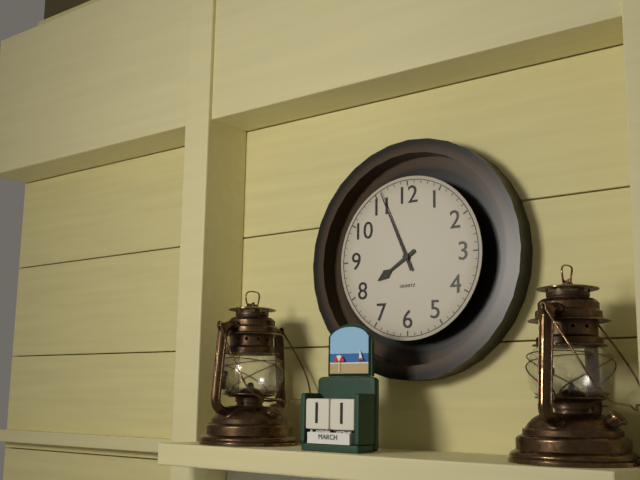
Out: {"hour": 7, "minute": 56}
